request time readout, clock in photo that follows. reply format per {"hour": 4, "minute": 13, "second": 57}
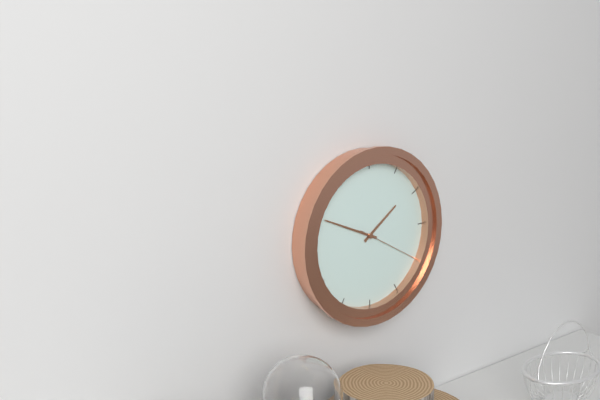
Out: {"hour": 1, "minute": 49, "second": 20}
